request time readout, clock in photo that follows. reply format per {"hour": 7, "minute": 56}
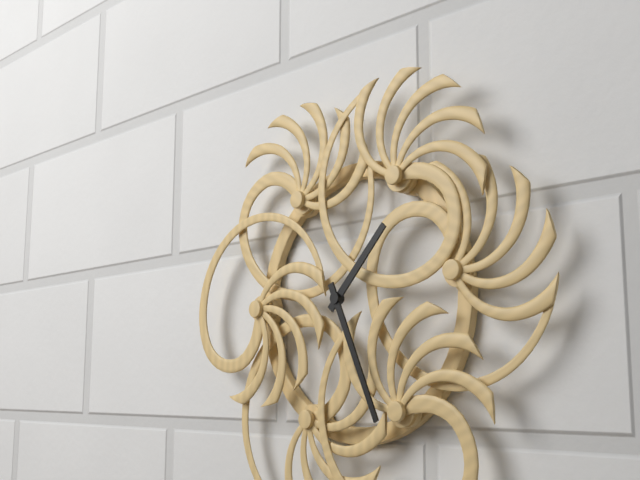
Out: {"hour": 1, "minute": 26}
